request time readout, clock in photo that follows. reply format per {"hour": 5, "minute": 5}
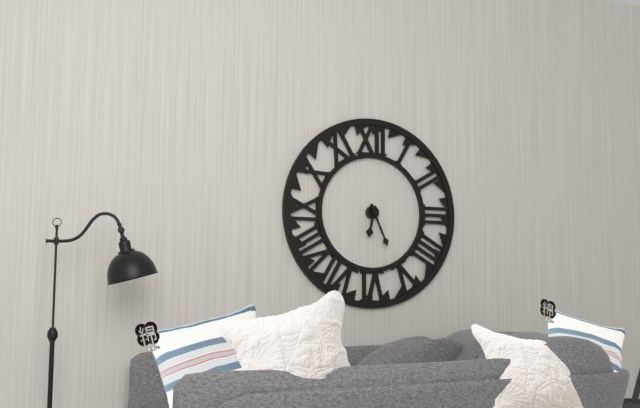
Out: {"hour": 6, "minute": 26}
